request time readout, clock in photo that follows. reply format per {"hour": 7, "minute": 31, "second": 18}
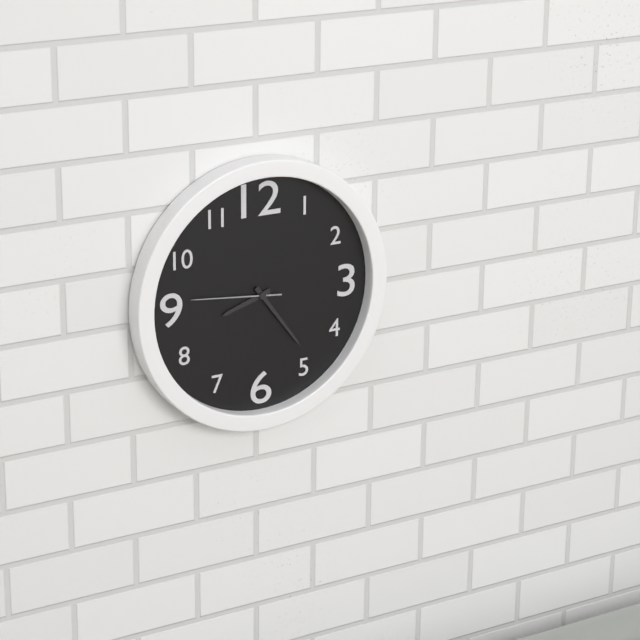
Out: {"hour": 8, "minute": 24, "second": 46}
